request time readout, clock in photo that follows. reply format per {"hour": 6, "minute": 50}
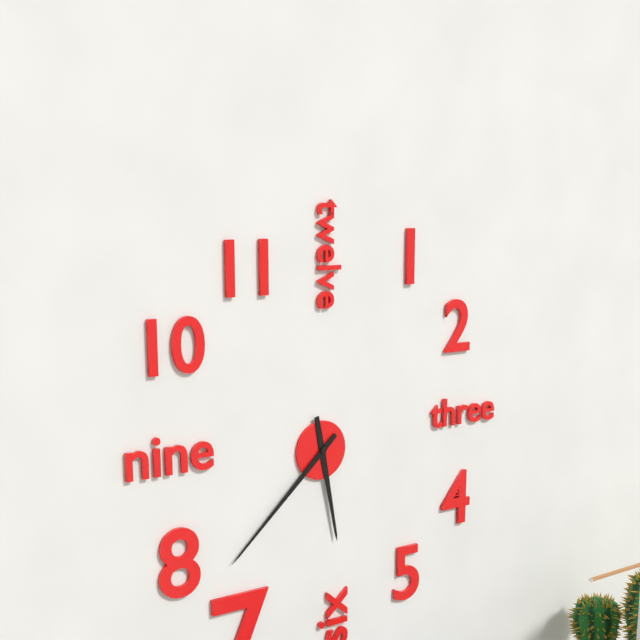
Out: {"hour": 5, "minute": 38}
